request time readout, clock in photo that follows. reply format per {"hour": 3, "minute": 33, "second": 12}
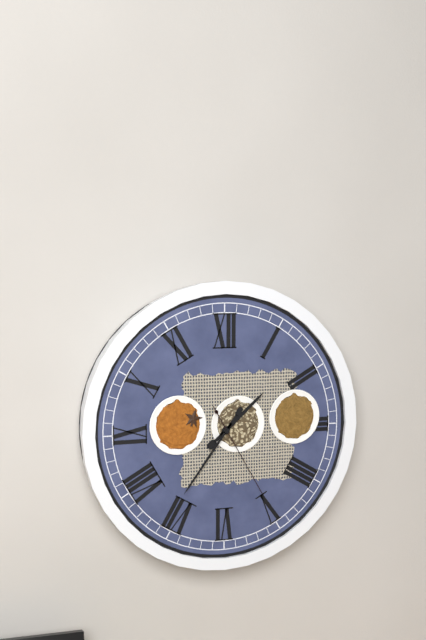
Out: {"hour": 1, "minute": 36, "second": 25}
